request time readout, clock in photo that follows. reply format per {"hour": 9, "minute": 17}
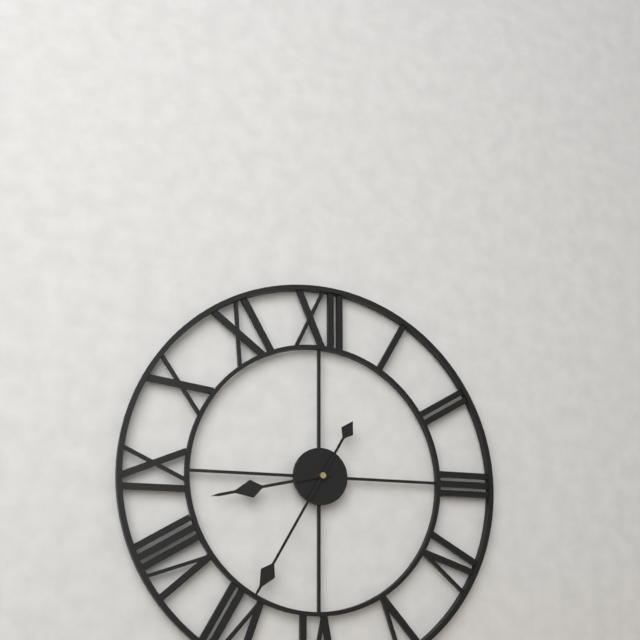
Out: {"hour": 8, "minute": 35}
